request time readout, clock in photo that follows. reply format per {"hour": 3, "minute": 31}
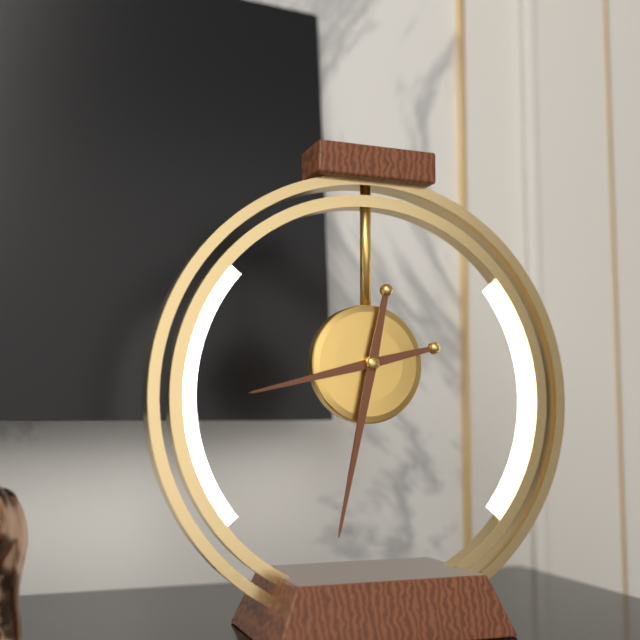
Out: {"hour": 8, "minute": 32}
